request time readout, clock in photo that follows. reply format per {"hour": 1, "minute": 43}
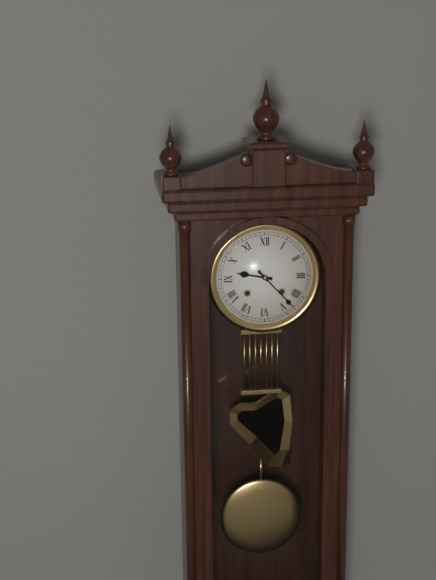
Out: {"hour": 9, "minute": 23}
